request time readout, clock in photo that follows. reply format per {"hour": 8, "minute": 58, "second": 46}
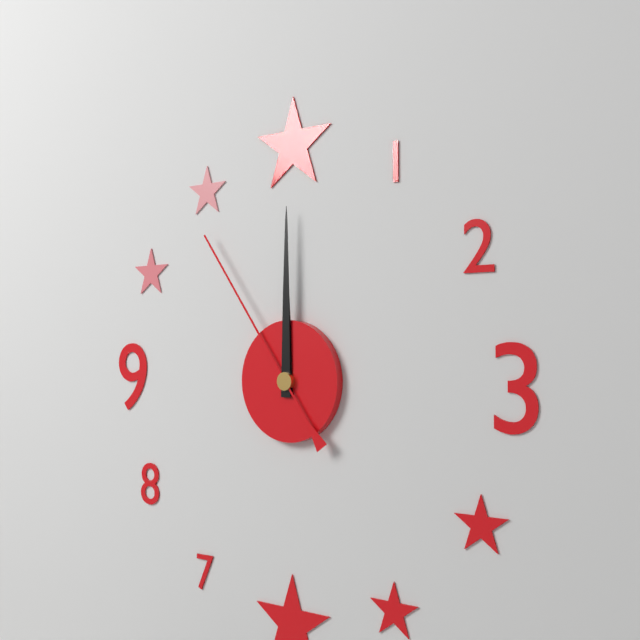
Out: {"hour": 12, "minute": 0, "second": 54}
